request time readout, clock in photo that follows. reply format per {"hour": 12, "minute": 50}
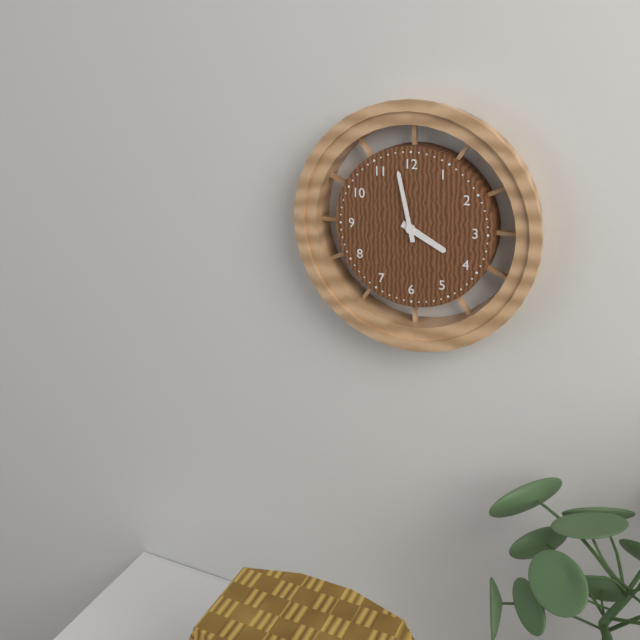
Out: {"hour": 3, "minute": 58}
